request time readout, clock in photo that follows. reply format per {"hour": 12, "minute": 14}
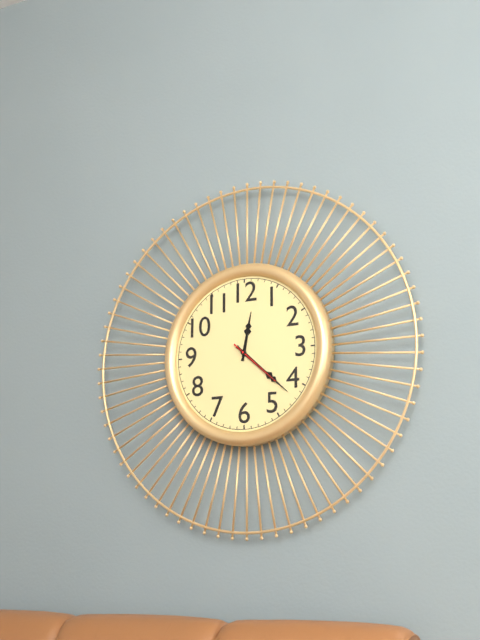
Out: {"hour": 12, "minute": 22}
